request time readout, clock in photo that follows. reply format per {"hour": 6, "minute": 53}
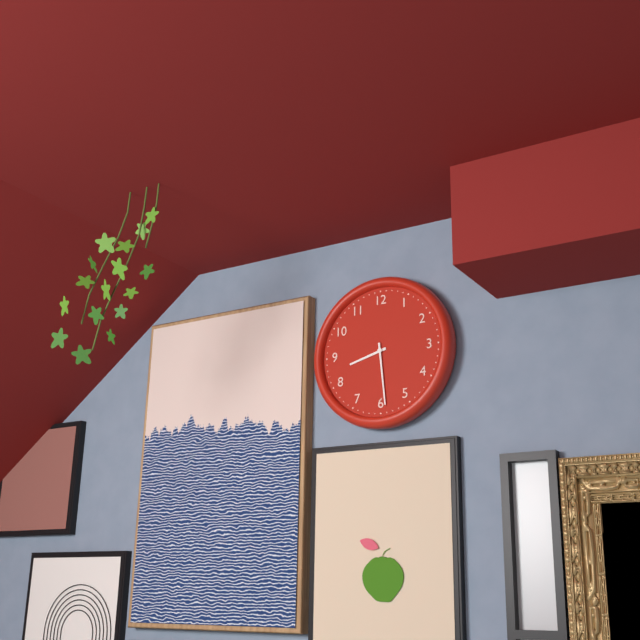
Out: {"hour": 8, "minute": 29}
